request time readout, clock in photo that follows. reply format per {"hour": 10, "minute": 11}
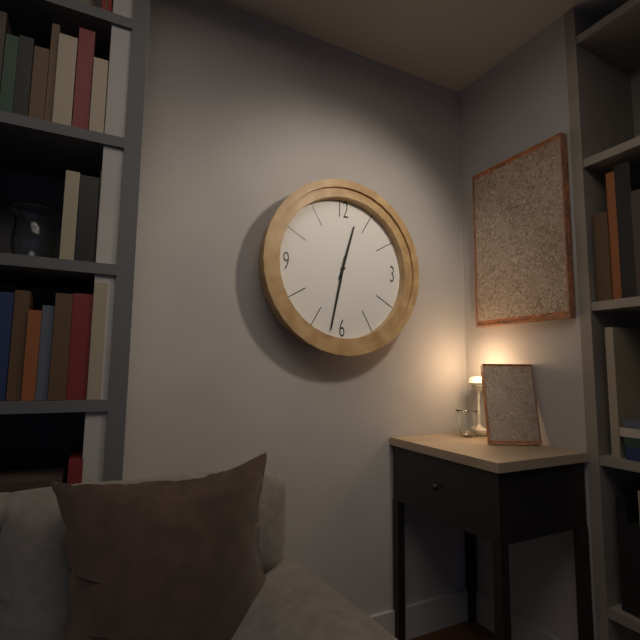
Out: {"hour": 12, "minute": 32}
